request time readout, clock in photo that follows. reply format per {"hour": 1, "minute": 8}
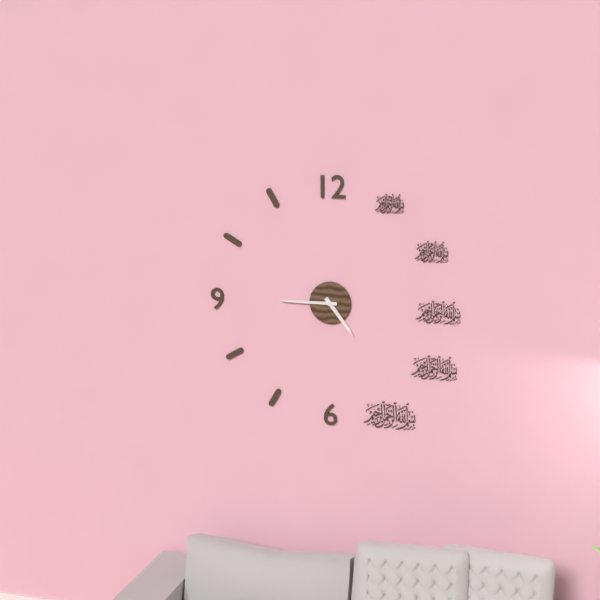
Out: {"hour": 4, "minute": 45}
